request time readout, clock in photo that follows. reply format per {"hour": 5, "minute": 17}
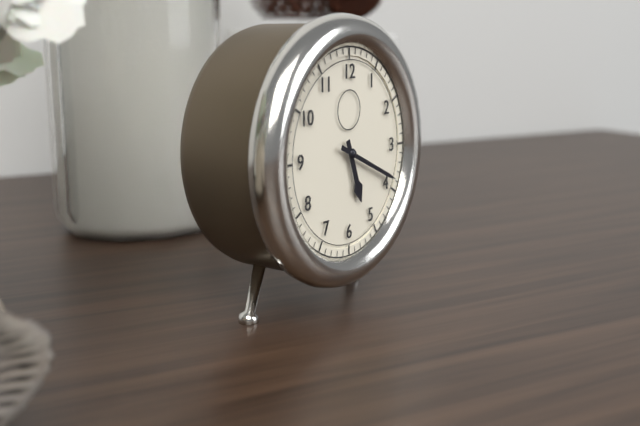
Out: {"hour": 5, "minute": 19}
